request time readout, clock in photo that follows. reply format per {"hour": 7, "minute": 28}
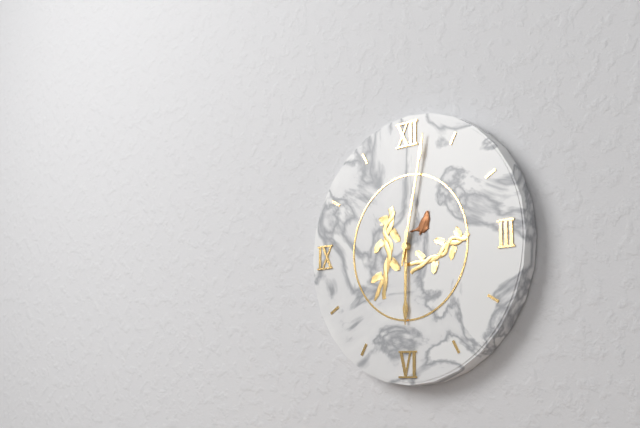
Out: {"hour": 6, "minute": 2}
